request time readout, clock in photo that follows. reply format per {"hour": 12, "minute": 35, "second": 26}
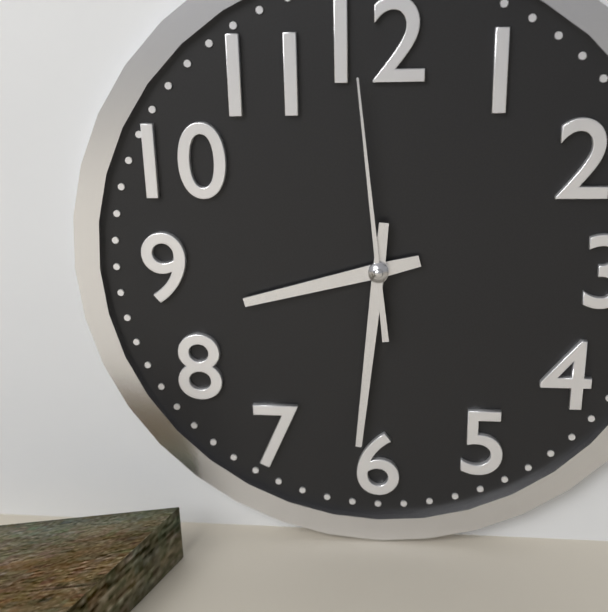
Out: {"hour": 8, "minute": 31, "second": 59}
